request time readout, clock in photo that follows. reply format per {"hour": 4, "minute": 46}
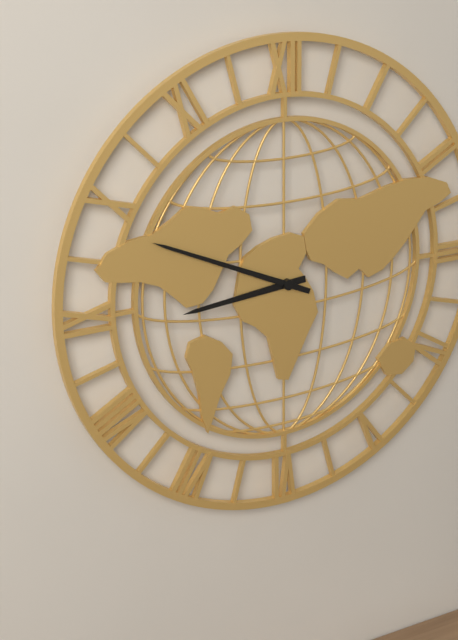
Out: {"hour": 8, "minute": 49}
